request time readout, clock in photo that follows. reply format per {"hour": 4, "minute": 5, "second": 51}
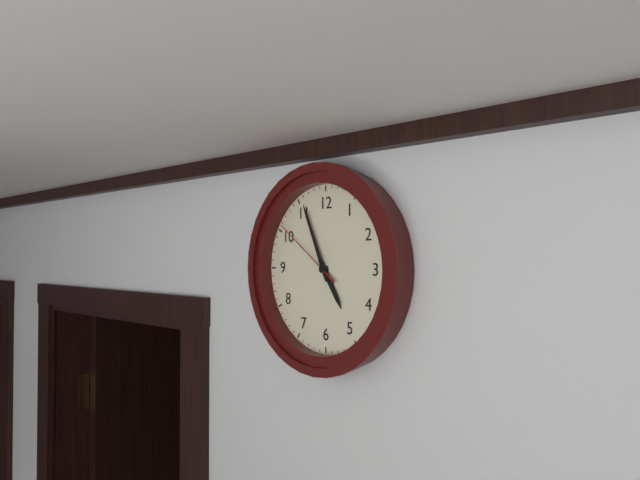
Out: {"hour": 4, "minute": 56, "second": 51}
